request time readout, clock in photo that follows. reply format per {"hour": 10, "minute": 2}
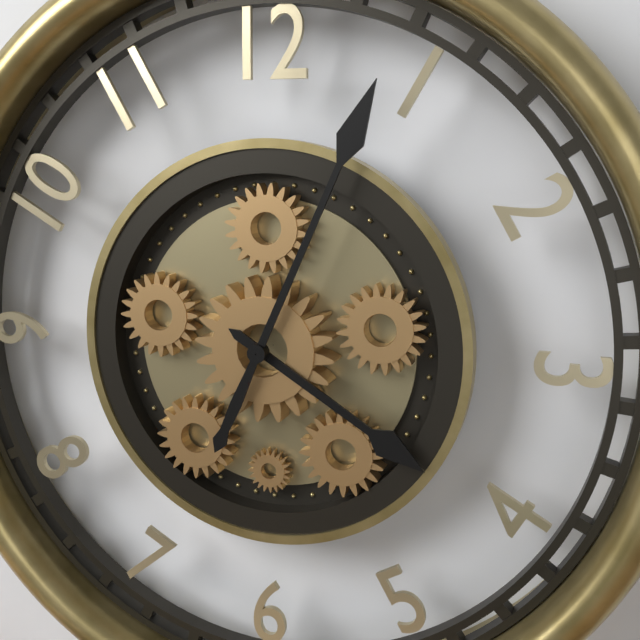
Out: {"hour": 4, "minute": 4}
